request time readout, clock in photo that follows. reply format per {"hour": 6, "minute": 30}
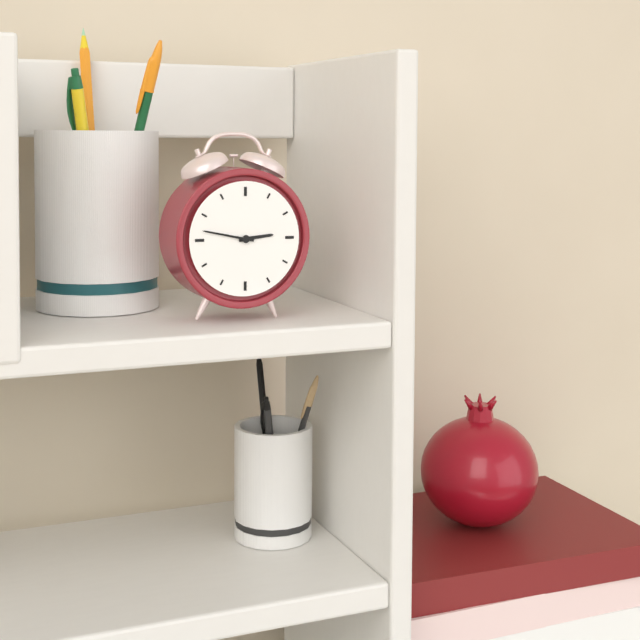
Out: {"hour": 2, "minute": 47}
